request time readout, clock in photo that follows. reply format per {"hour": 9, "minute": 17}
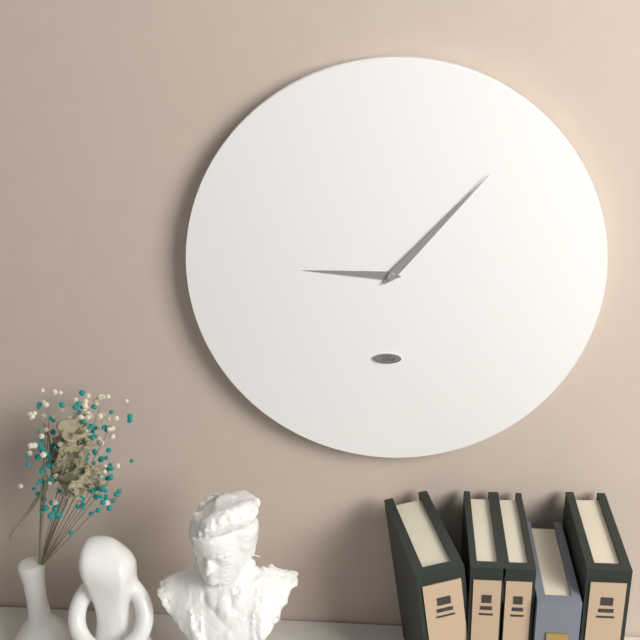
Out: {"hour": 9, "minute": 7}
